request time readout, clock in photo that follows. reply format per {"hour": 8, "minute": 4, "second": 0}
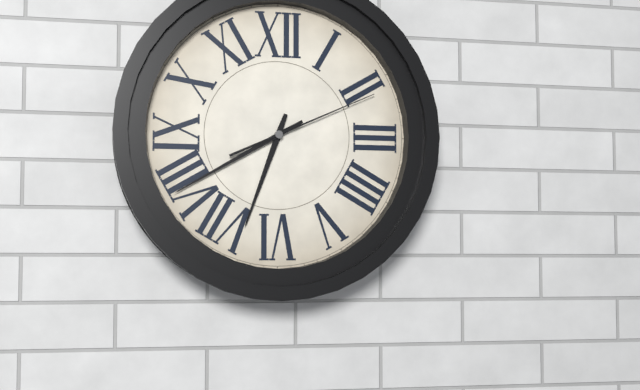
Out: {"hour": 6, "minute": 40, "second": 11}
